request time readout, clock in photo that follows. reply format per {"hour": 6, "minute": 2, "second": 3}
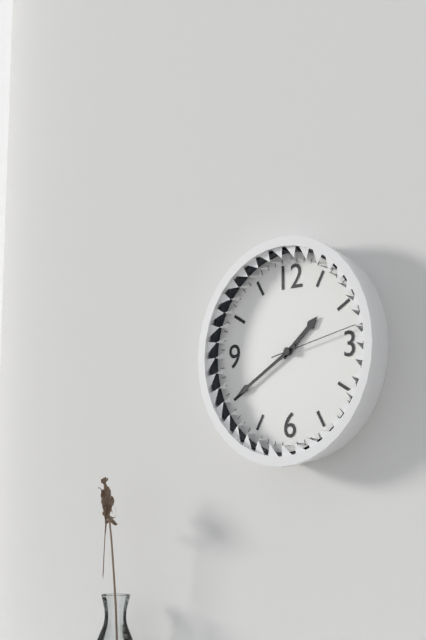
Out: {"hour": 1, "minute": 40, "second": 13}
